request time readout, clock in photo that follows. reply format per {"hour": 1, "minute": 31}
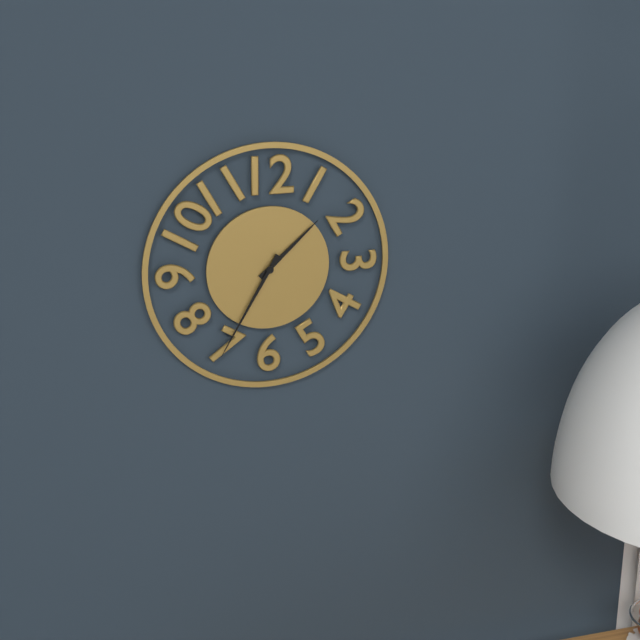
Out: {"hour": 1, "minute": 35}
